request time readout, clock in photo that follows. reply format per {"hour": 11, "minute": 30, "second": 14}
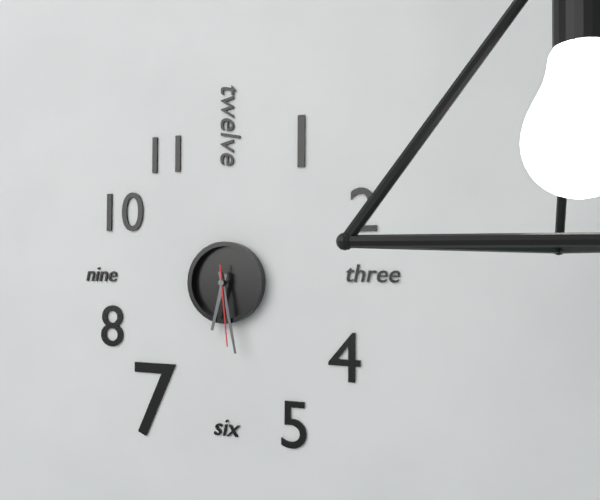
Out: {"hour": 6, "minute": 28, "second": 29}
